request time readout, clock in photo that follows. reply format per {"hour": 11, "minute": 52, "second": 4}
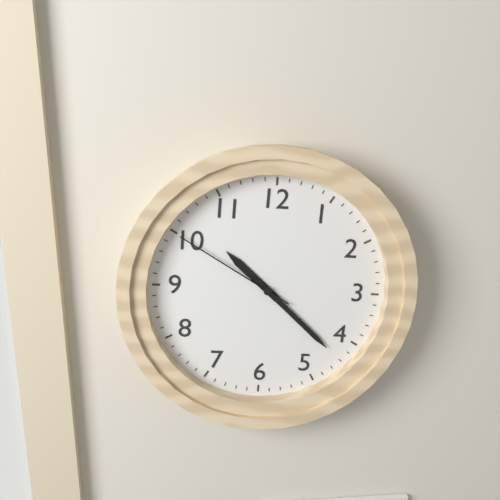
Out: {"hour": 10, "minute": 22, "second": 50}
